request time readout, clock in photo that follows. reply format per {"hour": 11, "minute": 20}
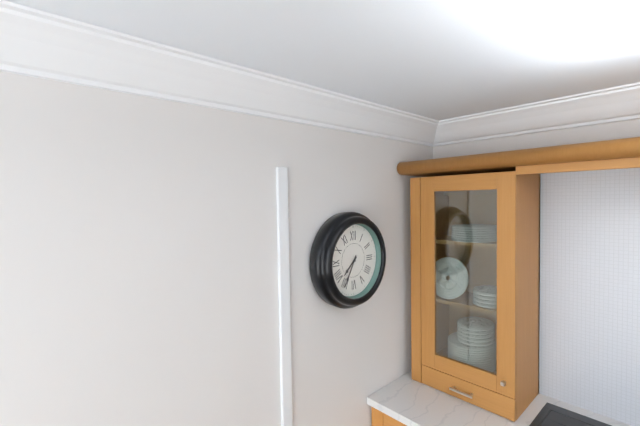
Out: {"hour": 7, "minute": 35}
